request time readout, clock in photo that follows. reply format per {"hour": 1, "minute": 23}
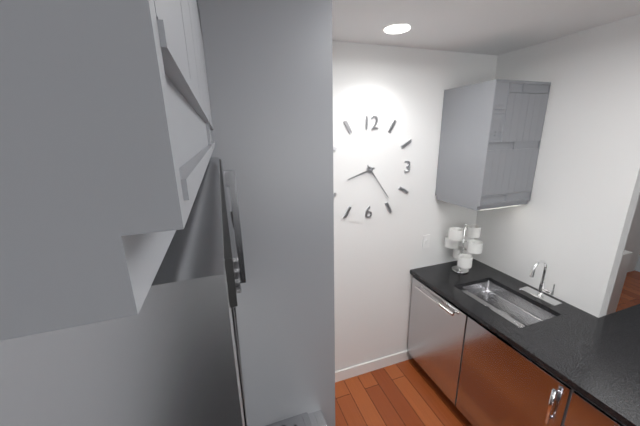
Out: {"hour": 8, "minute": 24}
